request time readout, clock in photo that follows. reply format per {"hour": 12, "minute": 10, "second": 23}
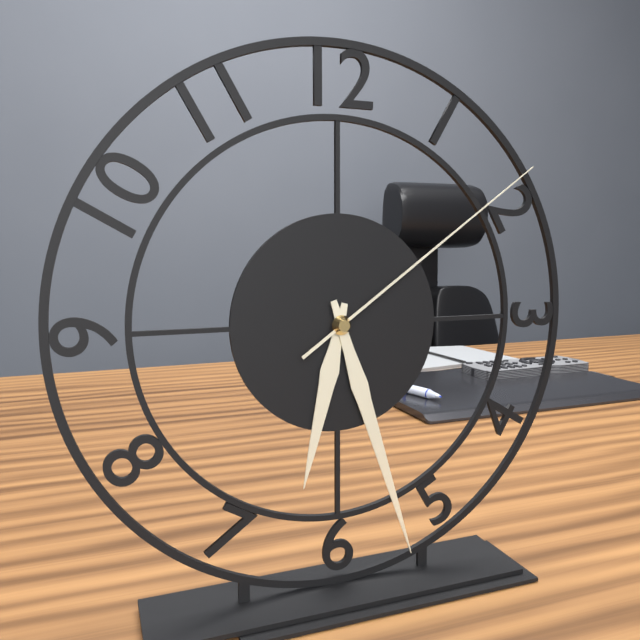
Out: {"hour": 6, "minute": 27, "second": 9}
